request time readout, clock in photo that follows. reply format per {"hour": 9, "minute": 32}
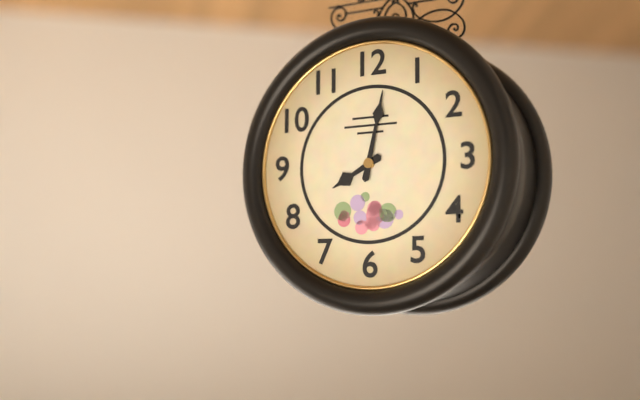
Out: {"hour": 8, "minute": 2}
